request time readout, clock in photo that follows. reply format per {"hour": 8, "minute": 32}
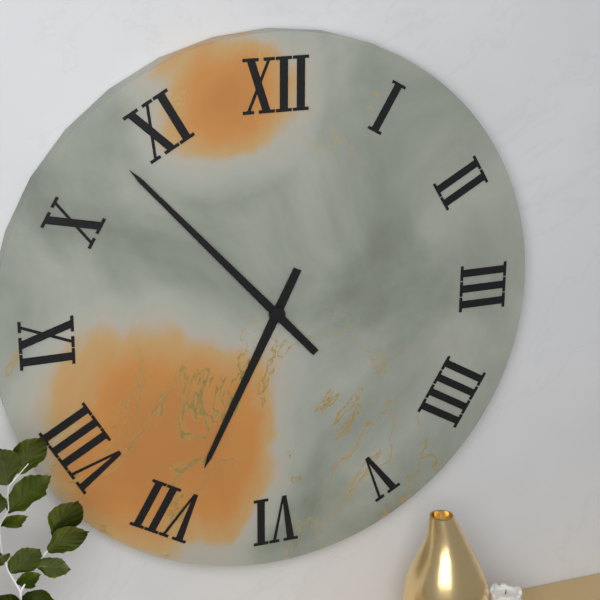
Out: {"hour": 6, "minute": 53}
